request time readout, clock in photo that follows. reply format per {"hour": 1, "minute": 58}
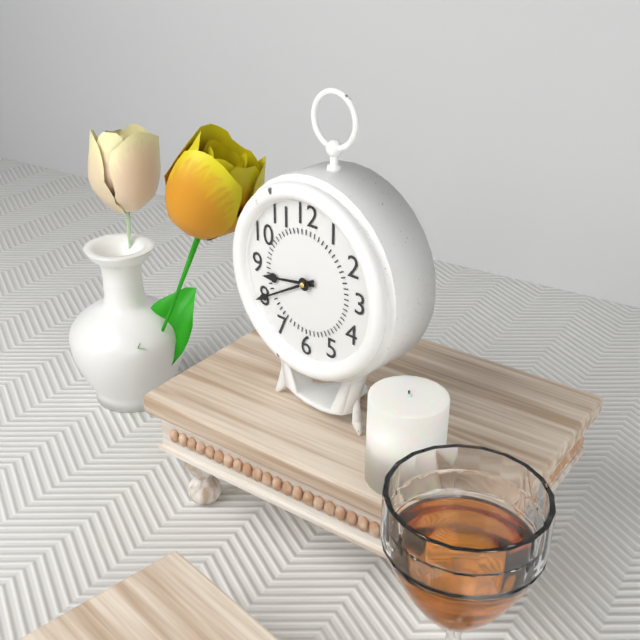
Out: {"hour": 8, "minute": 40}
